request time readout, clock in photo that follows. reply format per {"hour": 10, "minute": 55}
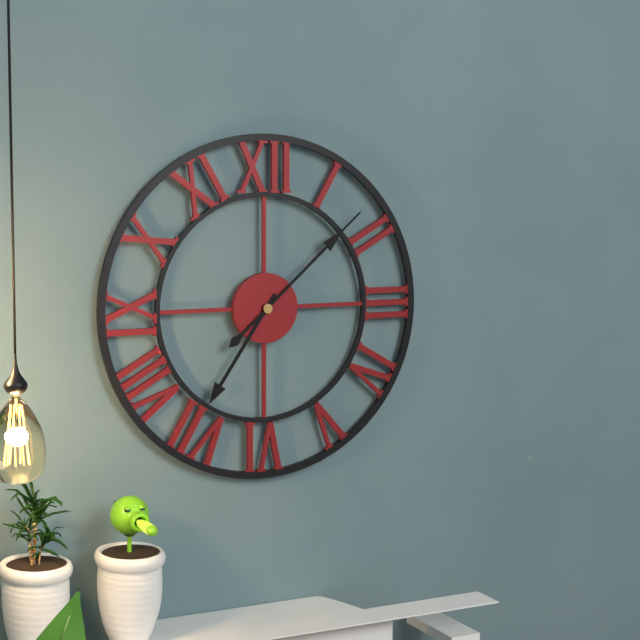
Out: {"hour": 7, "minute": 8}
